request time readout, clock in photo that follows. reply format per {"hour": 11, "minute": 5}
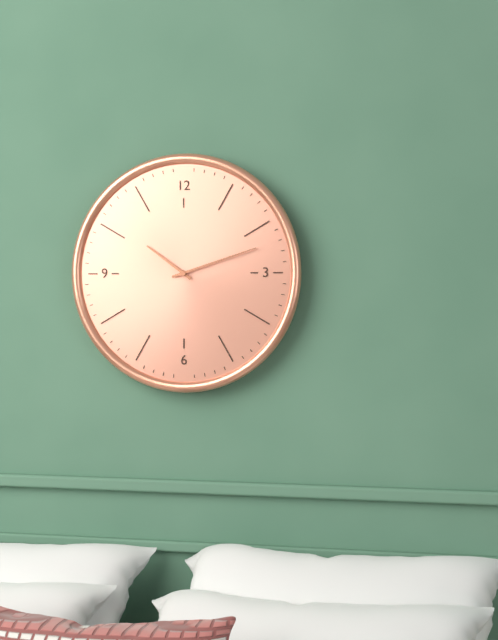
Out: {"hour": 10, "minute": 12}
